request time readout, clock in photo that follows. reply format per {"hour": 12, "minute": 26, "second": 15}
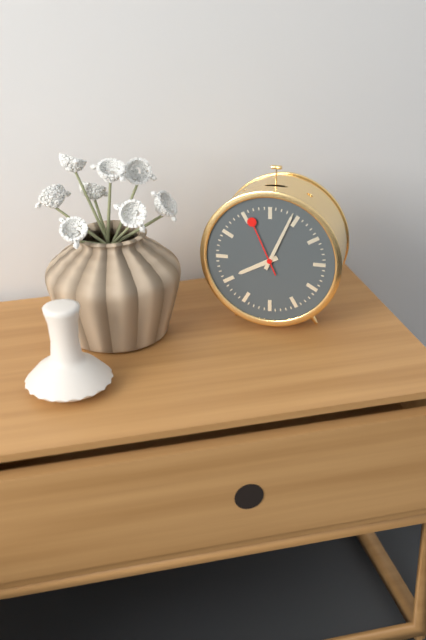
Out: {"hour": 8, "minute": 4, "second": 56}
